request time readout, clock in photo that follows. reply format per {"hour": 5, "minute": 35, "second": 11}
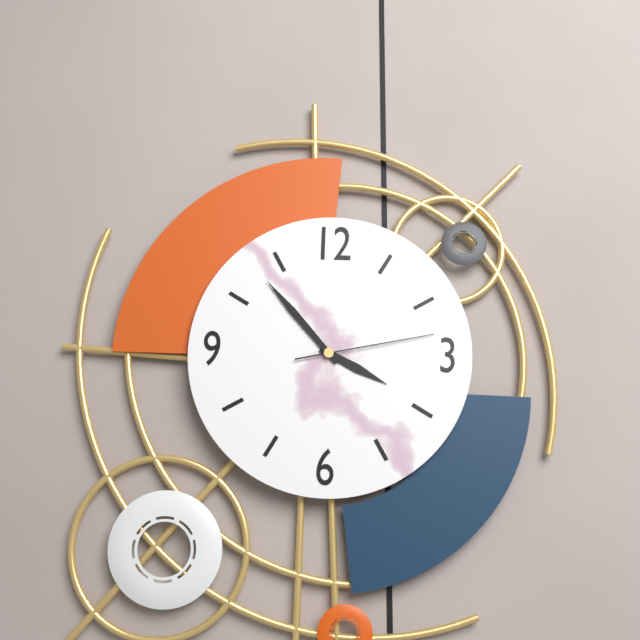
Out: {"hour": 3, "minute": 53, "second": 13}
